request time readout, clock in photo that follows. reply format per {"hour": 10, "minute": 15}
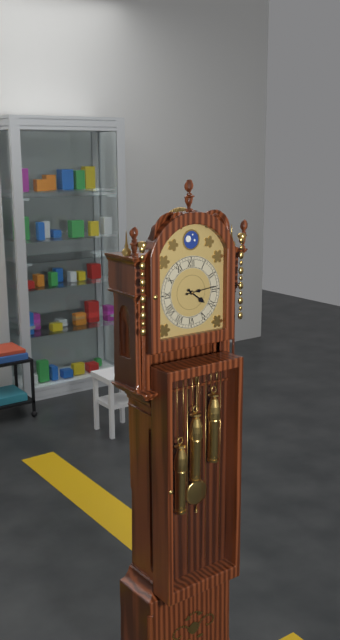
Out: {"hour": 4, "minute": 14}
